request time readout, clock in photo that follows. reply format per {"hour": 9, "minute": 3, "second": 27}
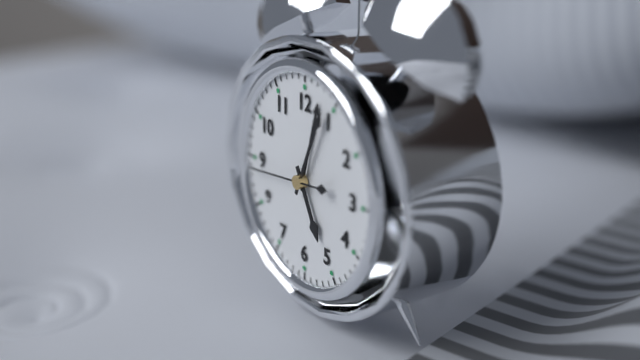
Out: {"hour": 5, "minute": 4, "second": 44}
